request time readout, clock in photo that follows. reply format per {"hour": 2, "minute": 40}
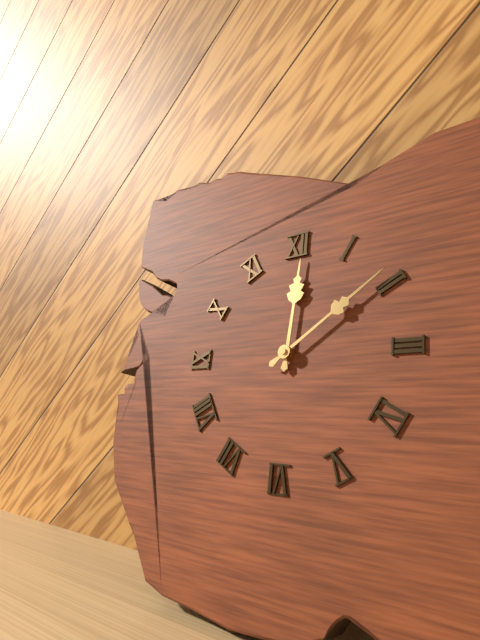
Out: {"hour": 12, "minute": 9}
